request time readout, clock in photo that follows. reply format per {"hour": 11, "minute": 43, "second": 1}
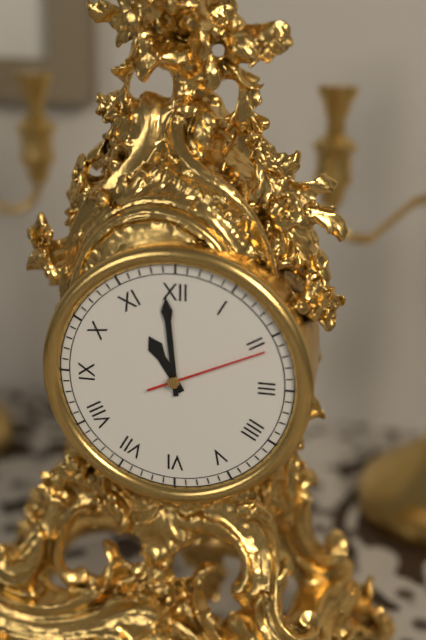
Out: {"hour": 10, "minute": 59, "second": 11}
